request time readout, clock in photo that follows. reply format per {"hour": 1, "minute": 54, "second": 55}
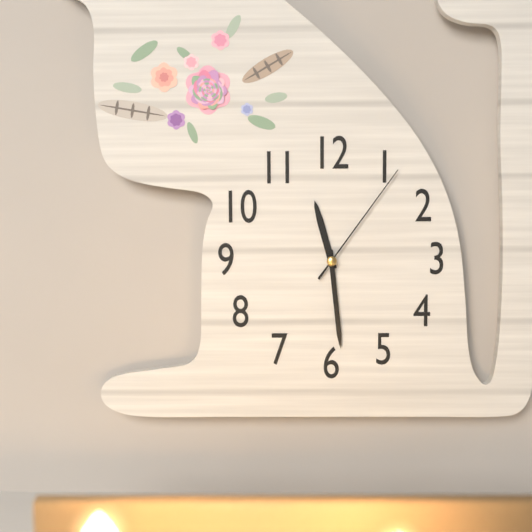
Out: {"hour": 11, "minute": 29, "second": 6}
